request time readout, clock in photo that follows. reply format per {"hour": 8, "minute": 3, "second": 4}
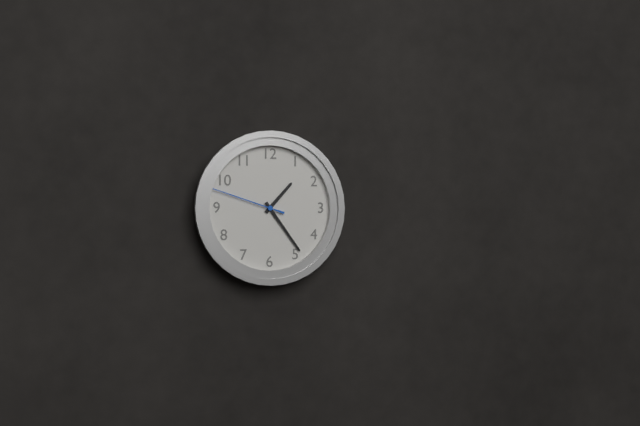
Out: {"hour": 1, "minute": 24, "second": 48}
